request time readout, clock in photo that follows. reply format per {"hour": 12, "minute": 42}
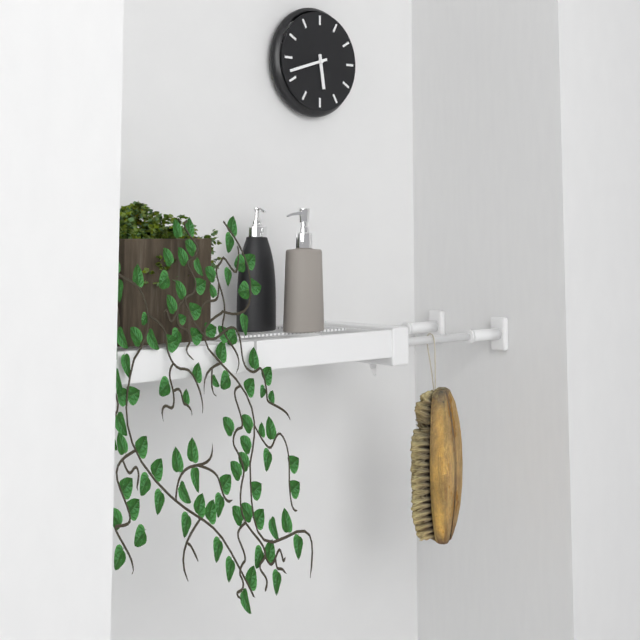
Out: {"hour": 5, "minute": 42}
